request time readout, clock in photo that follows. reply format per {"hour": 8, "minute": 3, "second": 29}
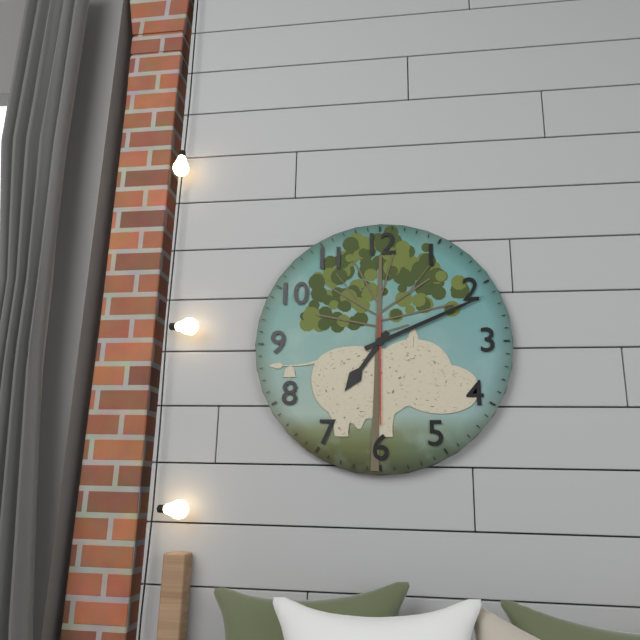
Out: {"hour": 7, "minute": 11, "second": 30}
